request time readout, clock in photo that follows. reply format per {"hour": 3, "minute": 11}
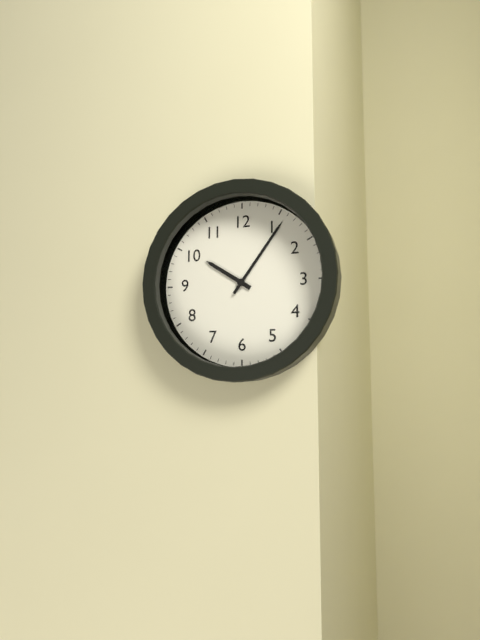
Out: {"hour": 10, "minute": 6}
